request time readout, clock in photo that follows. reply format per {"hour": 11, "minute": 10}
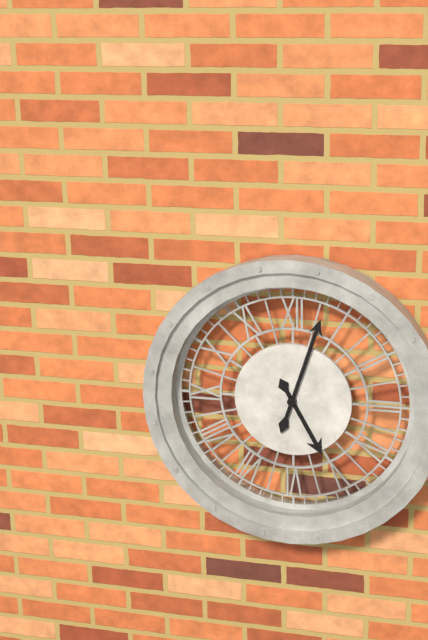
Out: {"hour": 5, "minute": 3}
